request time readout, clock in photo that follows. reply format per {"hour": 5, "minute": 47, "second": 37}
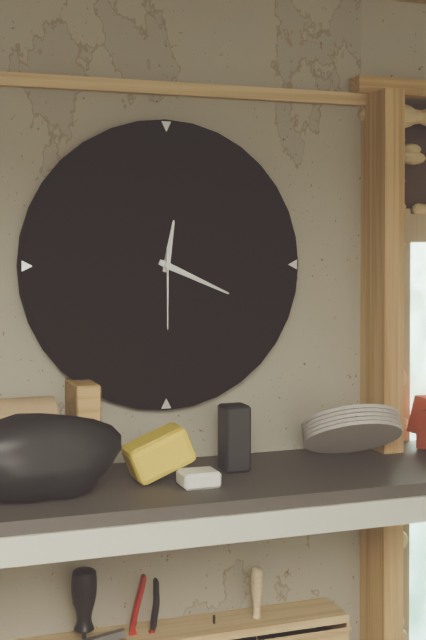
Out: {"hour": 12, "minute": 19, "second": 30}
